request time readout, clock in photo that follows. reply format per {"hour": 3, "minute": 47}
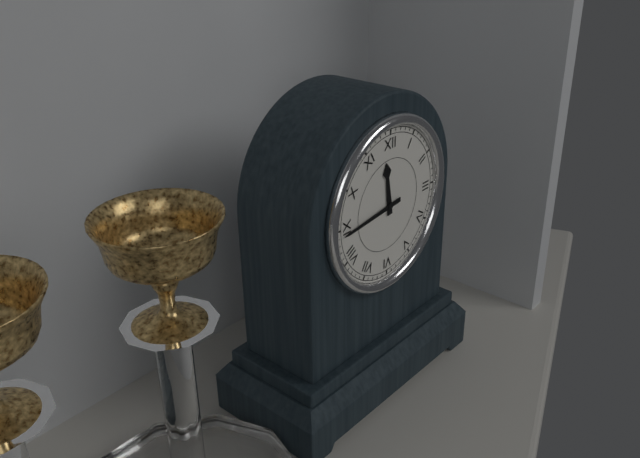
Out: {"hour": 11, "minute": 44}
